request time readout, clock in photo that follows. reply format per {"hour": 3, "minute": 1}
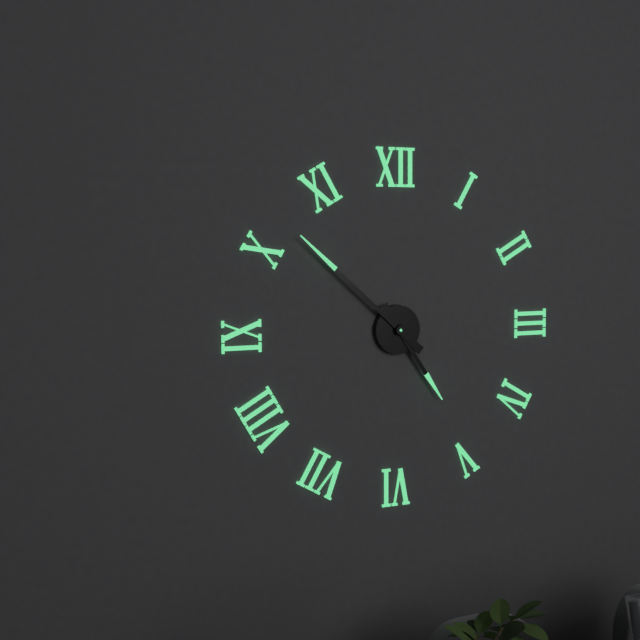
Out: {"hour": 4, "minute": 52}
